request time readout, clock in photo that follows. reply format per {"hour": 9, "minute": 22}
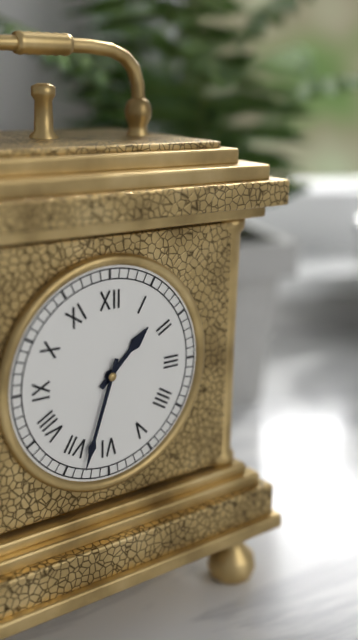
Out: {"hour": 1, "minute": 33}
